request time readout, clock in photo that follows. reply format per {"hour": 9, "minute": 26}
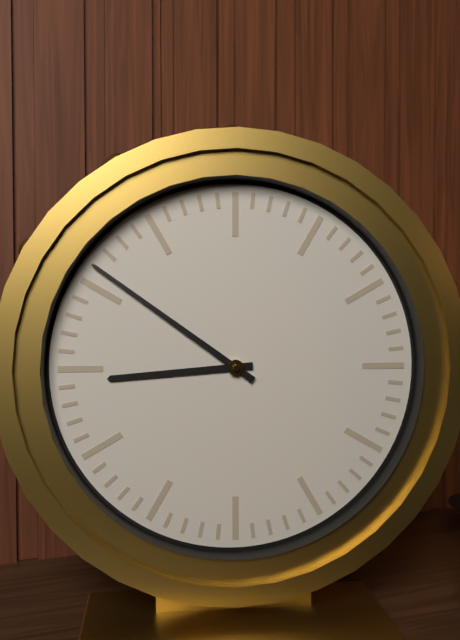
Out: {"hour": 8, "minute": 51}
